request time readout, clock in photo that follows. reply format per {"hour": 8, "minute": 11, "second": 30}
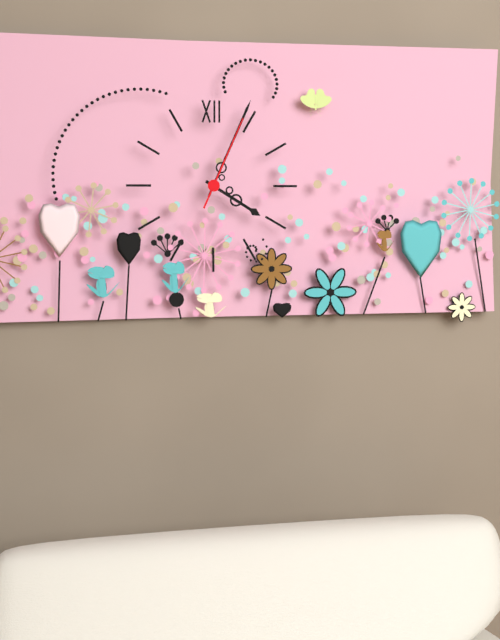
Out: {"hour": 4, "minute": 4, "second": 4}
